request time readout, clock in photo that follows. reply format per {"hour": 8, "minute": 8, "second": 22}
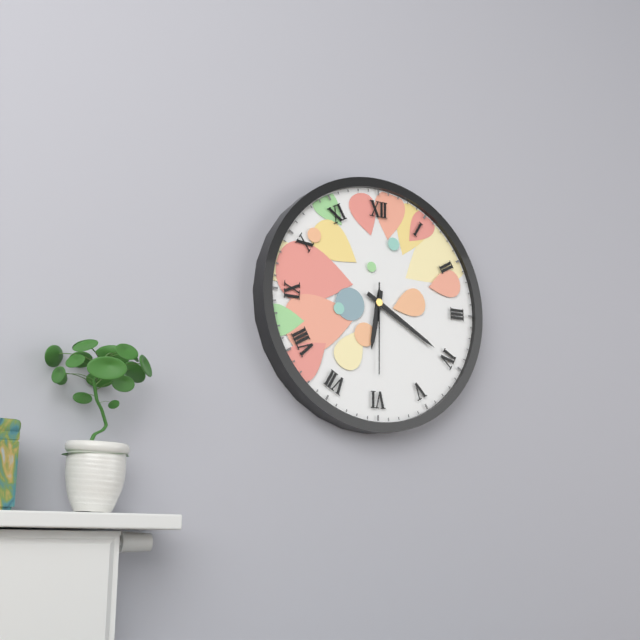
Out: {"hour": 6, "minute": 20, "second": 30}
